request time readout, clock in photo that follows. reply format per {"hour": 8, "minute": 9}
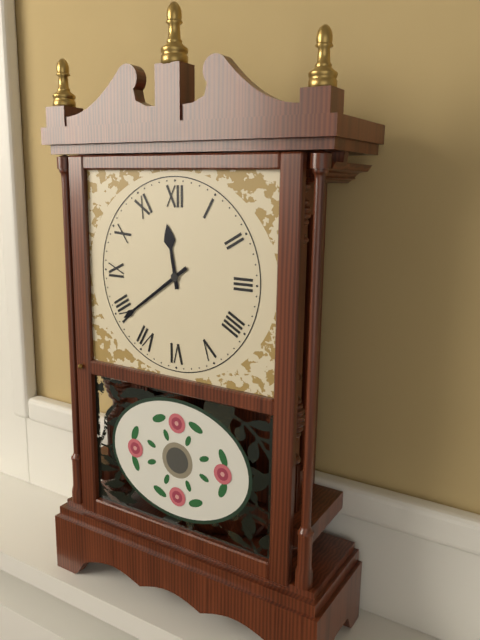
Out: {"hour": 11, "minute": 39}
